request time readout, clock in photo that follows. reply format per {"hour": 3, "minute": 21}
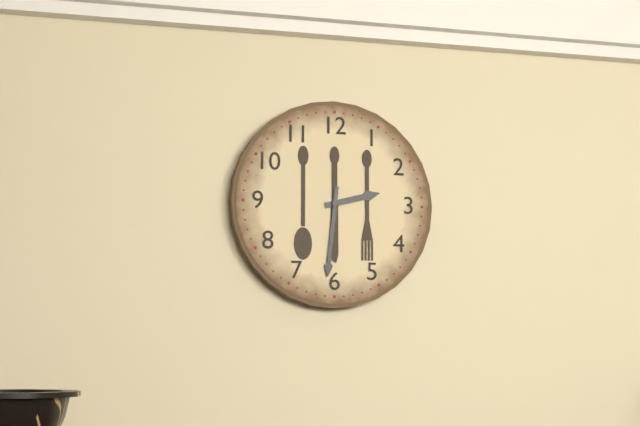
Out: {"hour": 2, "minute": 31}
